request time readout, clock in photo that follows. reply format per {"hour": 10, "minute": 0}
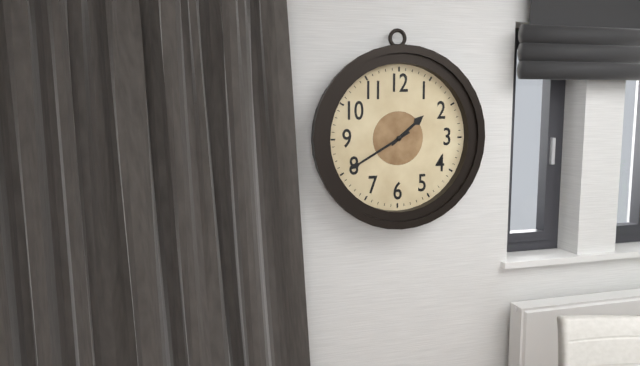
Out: {"hour": 1, "minute": 40}
